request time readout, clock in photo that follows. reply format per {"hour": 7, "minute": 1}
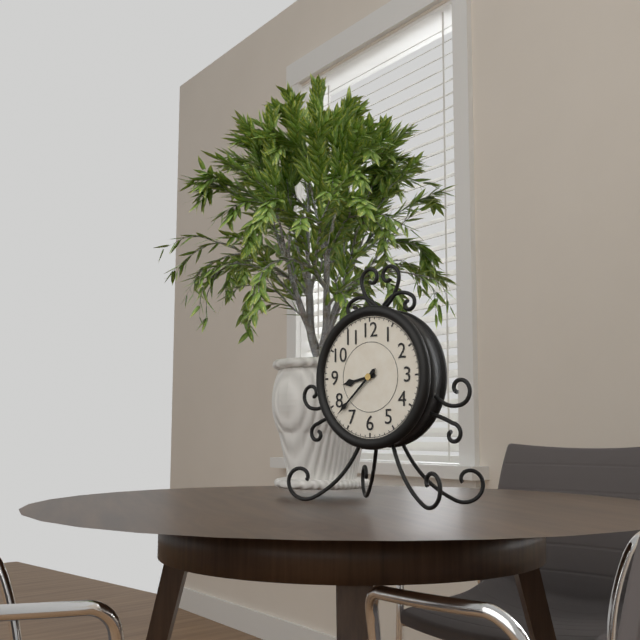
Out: {"hour": 8, "minute": 38}
